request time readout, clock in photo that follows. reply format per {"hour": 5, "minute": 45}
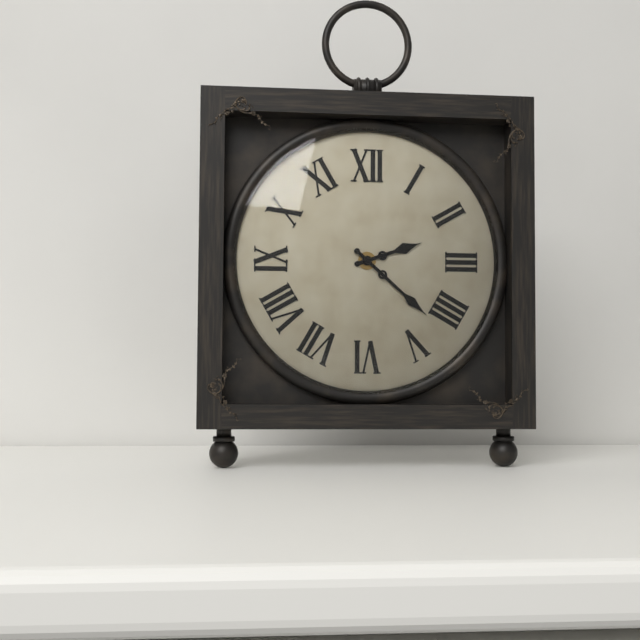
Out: {"hour": 2, "minute": 22}
